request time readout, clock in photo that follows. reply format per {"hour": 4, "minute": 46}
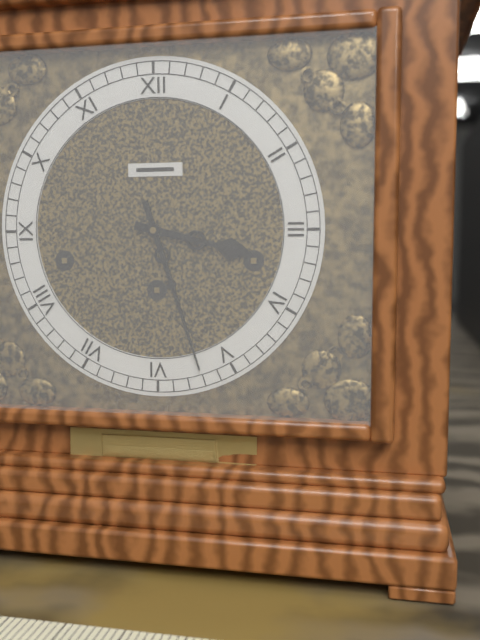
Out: {"hour": 3, "minute": 27}
